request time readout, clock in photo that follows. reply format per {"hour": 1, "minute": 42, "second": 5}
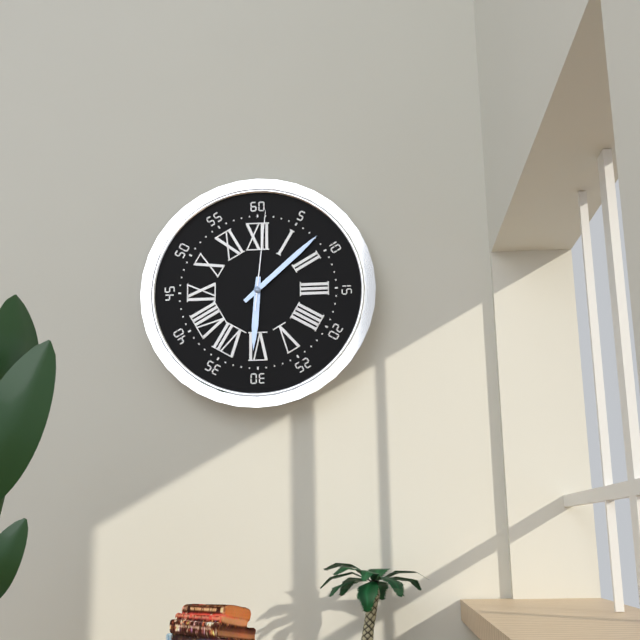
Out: {"hour": 6, "minute": 8, "second": 1}
